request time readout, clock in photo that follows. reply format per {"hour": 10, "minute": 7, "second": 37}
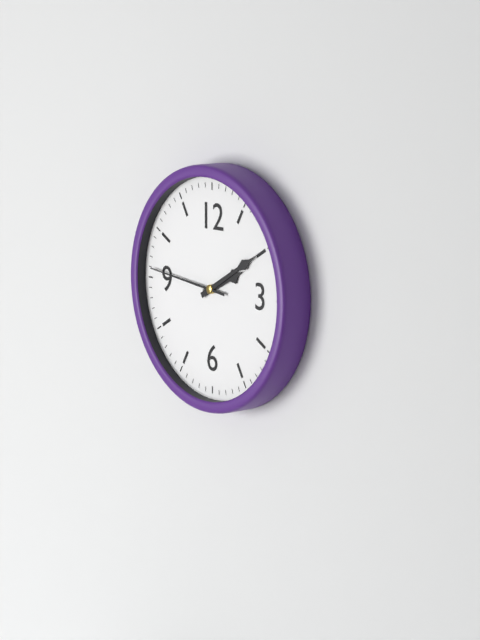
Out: {"hour": 2, "minute": 10, "second": 46}
